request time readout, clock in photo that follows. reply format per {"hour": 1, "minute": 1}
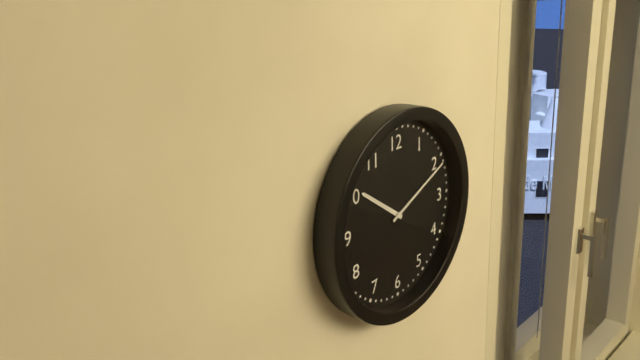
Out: {"hour": 10, "minute": 11}
